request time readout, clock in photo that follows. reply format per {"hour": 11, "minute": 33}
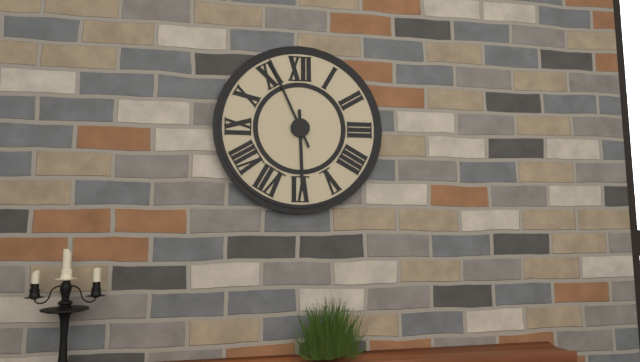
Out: {"hour": 5, "minute": 56}
